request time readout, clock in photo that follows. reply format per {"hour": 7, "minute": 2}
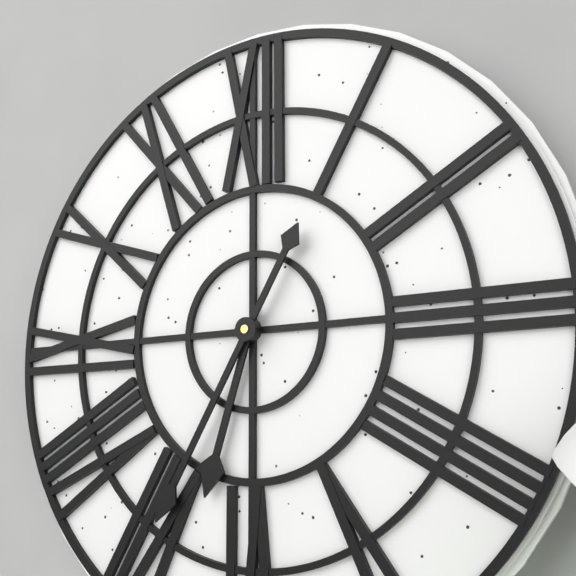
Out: {"hour": 6, "minute": 35}
